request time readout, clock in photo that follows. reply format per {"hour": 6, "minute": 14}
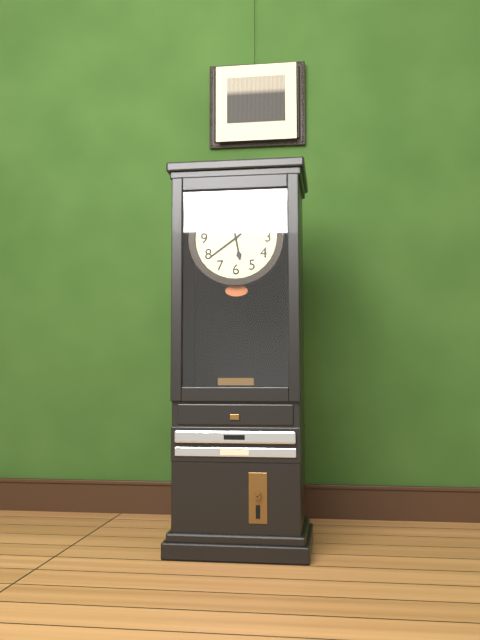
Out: {"hour": 5, "minute": 39}
